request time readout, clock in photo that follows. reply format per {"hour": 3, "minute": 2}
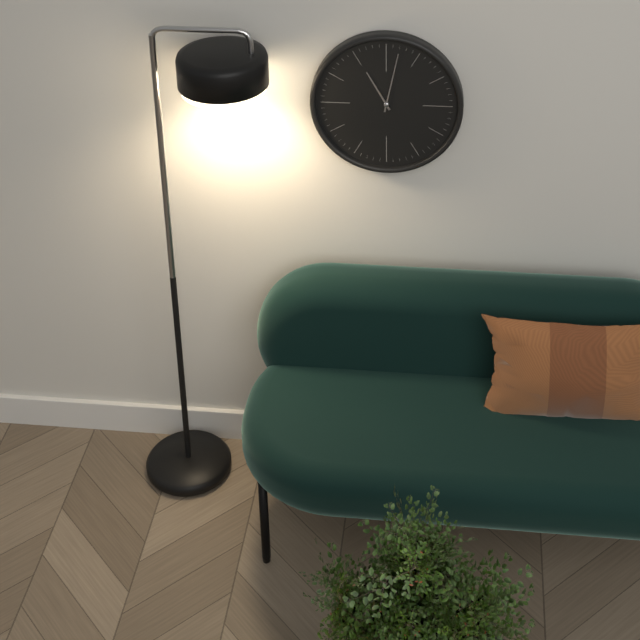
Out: {"hour": 11, "minute": 2}
